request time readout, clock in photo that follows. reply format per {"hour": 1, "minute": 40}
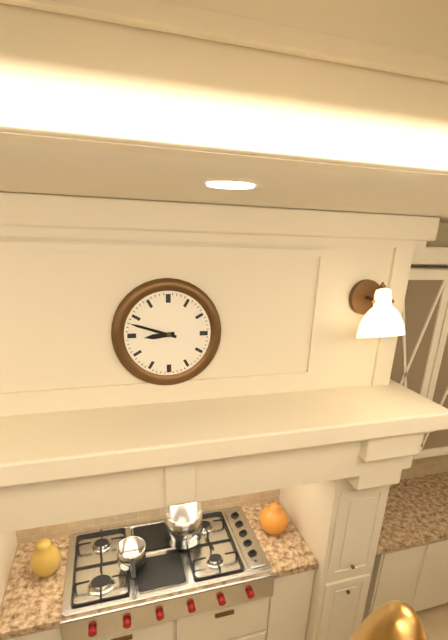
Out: {"hour": 8, "minute": 48}
